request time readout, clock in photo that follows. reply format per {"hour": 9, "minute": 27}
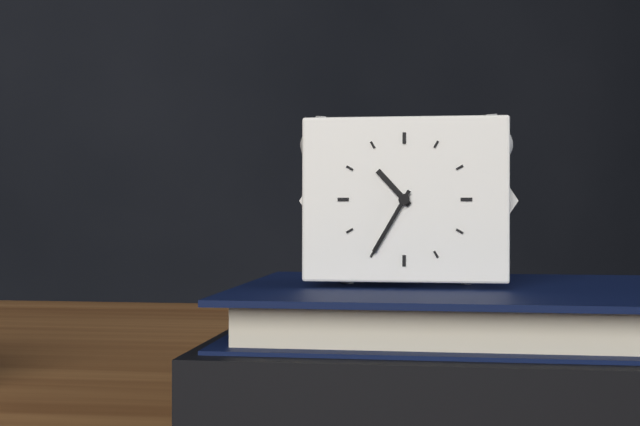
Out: {"hour": 10, "minute": 35}
